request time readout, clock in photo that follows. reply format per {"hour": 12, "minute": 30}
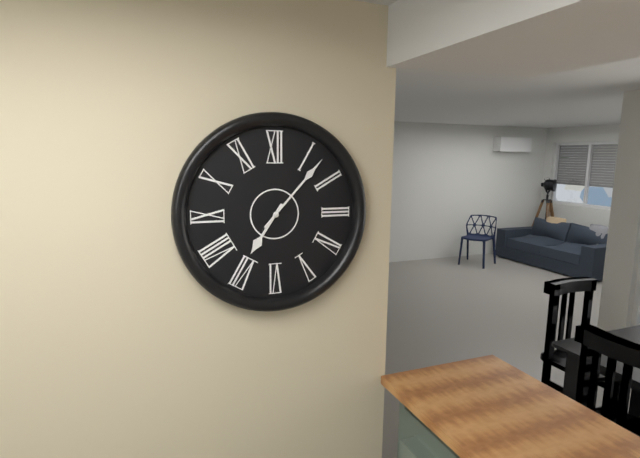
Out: {"hour": 7, "minute": 7}
